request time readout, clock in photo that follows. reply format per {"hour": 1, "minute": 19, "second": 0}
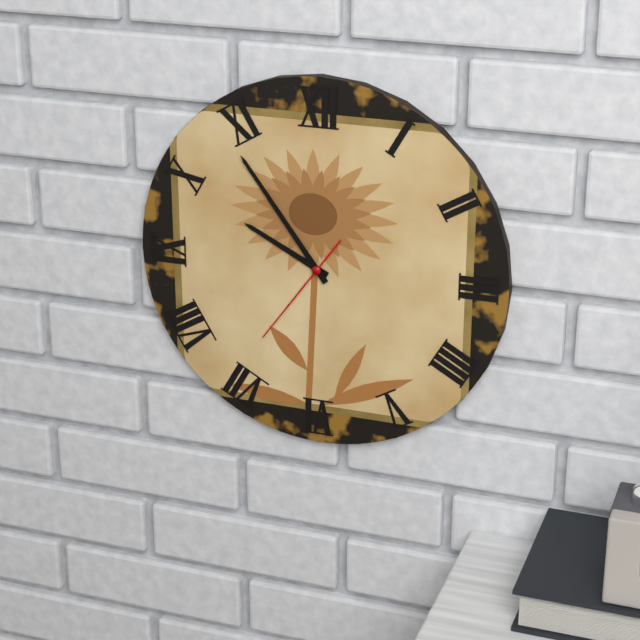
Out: {"hour": 9, "minute": 54, "second": 36}
